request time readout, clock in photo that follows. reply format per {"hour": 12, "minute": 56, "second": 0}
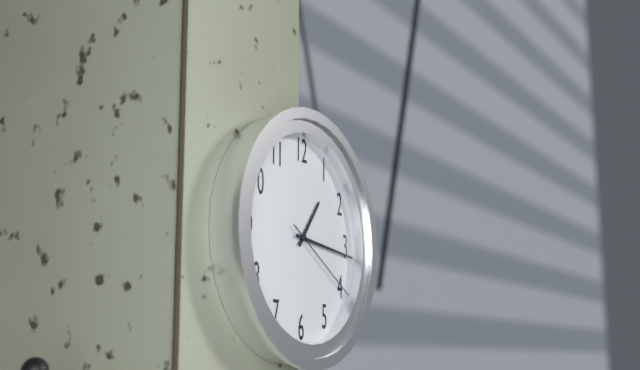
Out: {"hour": 1, "minute": 16, "second": 20}
